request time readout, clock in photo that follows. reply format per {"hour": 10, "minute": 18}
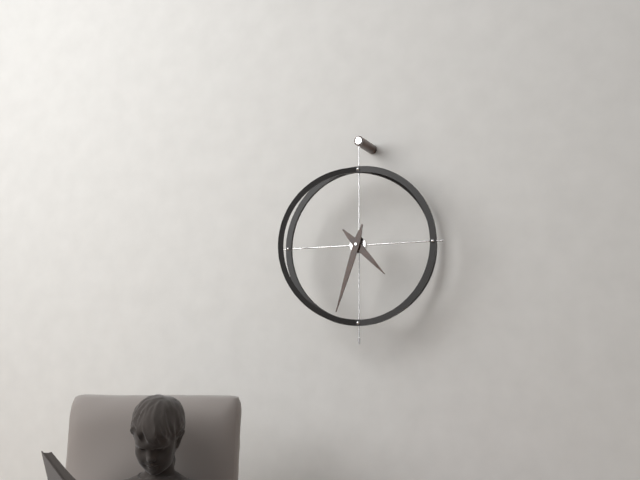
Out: {"hour": 4, "minute": 33}
